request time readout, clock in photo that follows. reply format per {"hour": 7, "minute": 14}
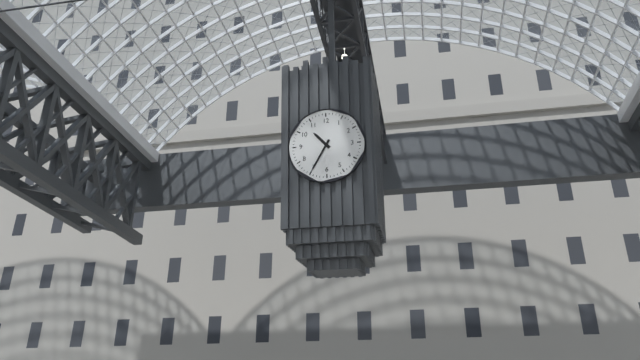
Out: {"hour": 10, "minute": 35}
